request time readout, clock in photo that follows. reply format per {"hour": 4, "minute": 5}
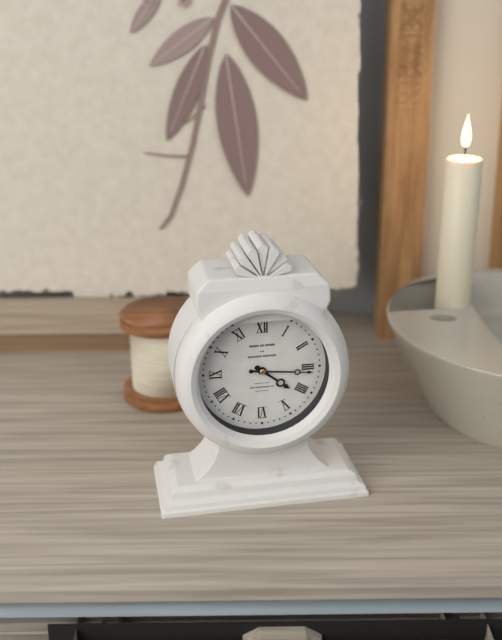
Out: {"hour": 4, "minute": 16}
